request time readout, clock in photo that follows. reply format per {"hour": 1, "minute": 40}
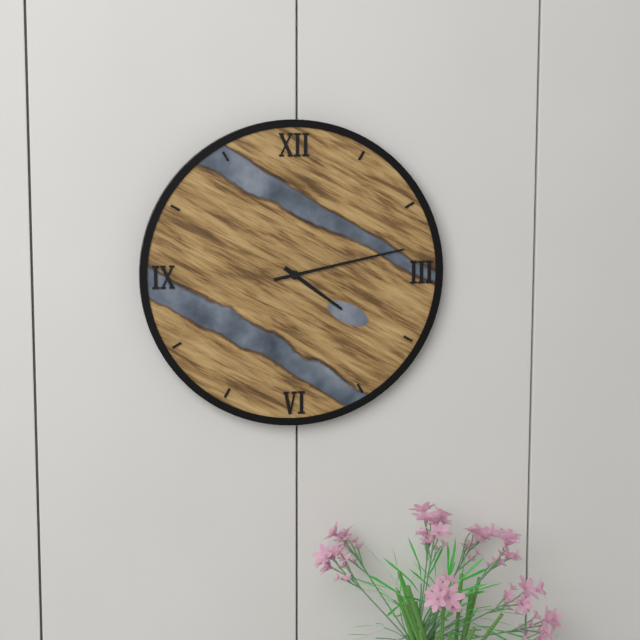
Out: {"hour": 4, "minute": 13}
